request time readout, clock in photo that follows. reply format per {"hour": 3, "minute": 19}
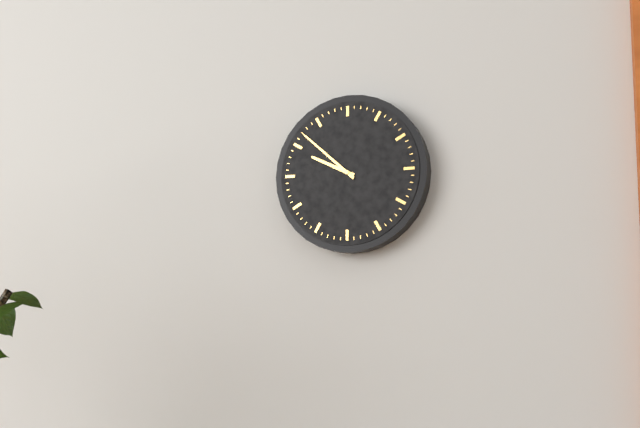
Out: {"hour": 9, "minute": 52}
